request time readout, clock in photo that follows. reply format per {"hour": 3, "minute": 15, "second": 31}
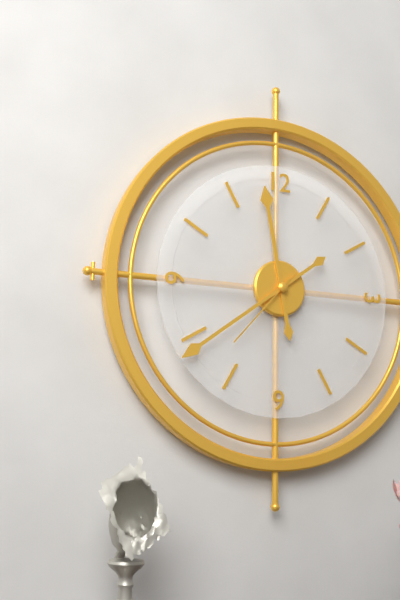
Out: {"hour": 11, "minute": 39, "second": 37}
